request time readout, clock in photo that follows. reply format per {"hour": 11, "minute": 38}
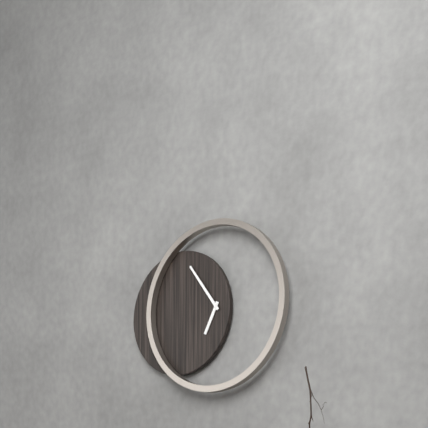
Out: {"hour": 6, "minute": 54}
